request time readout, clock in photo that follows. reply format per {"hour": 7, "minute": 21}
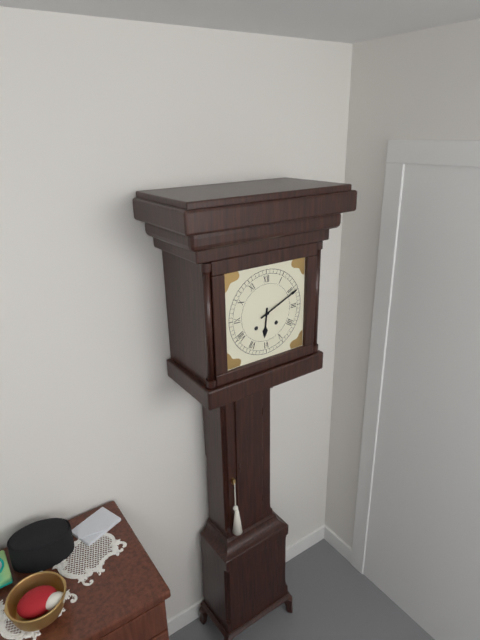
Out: {"hour": 6, "minute": 11}
